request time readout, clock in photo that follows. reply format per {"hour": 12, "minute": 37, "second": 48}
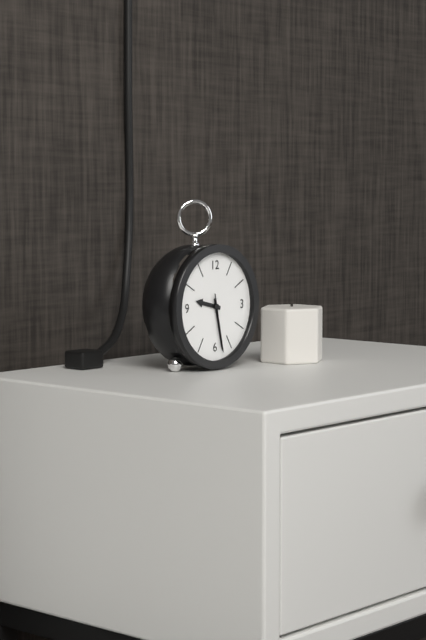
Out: {"hour": 9, "minute": 28, "second": 28}
